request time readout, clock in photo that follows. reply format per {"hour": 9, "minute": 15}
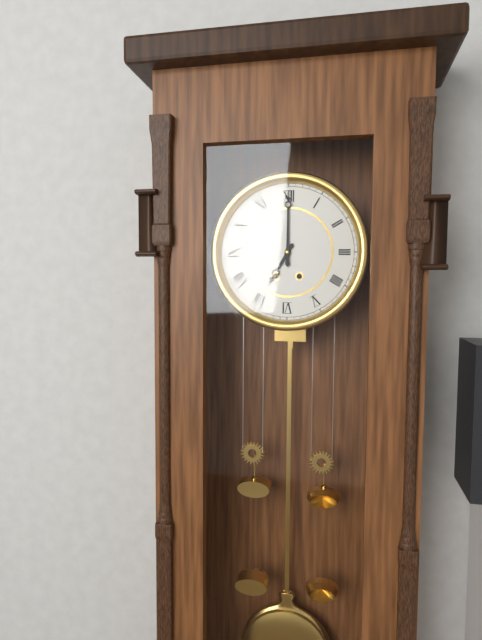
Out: {"hour": 7, "minute": 0}
